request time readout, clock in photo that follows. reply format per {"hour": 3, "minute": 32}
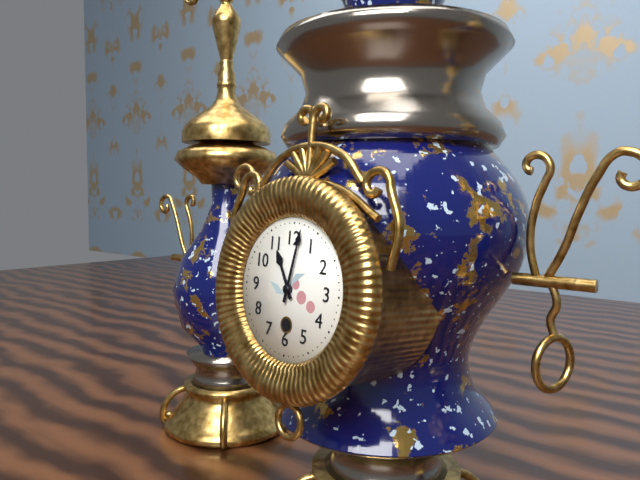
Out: {"hour": 11, "minute": 2}
